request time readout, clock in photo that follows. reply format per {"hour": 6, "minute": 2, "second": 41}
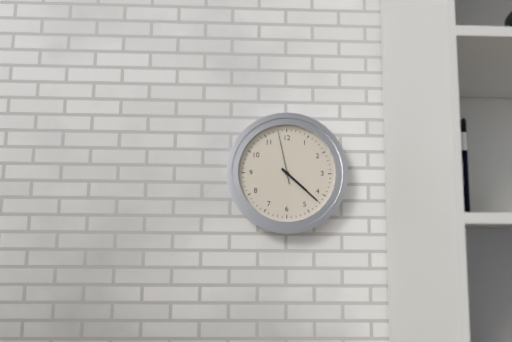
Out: {"hour": 4, "minute": 22, "second": 58}
